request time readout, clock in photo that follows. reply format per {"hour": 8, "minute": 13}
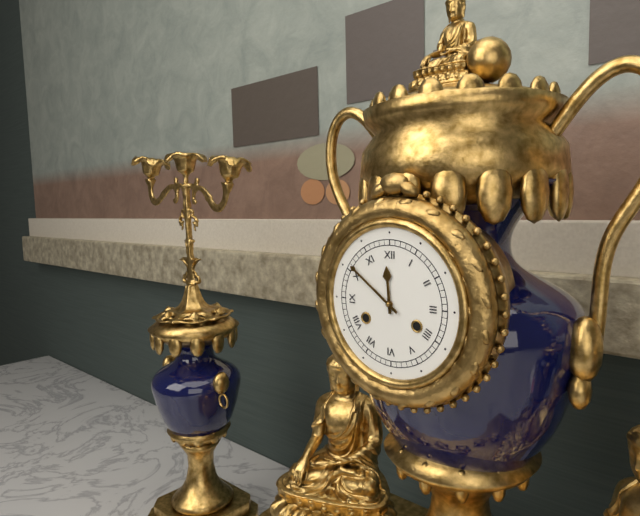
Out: {"hour": 11, "minute": 51}
